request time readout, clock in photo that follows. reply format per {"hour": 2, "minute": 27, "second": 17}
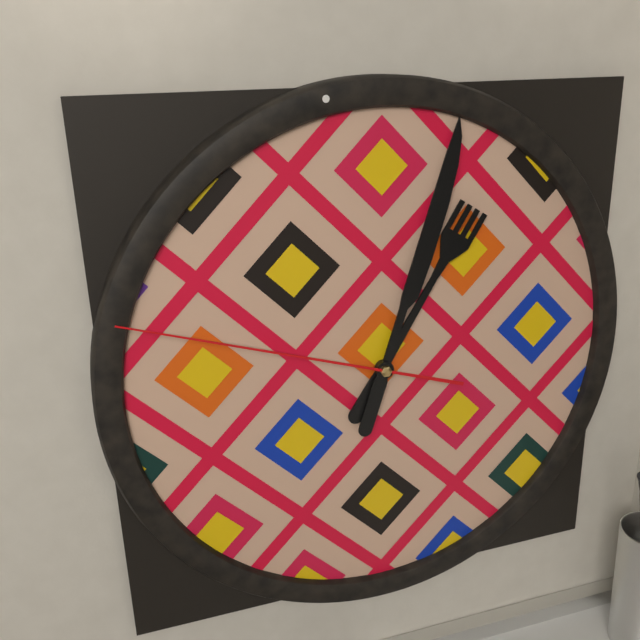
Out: {"hour": 1, "minute": 3, "second": 48}
